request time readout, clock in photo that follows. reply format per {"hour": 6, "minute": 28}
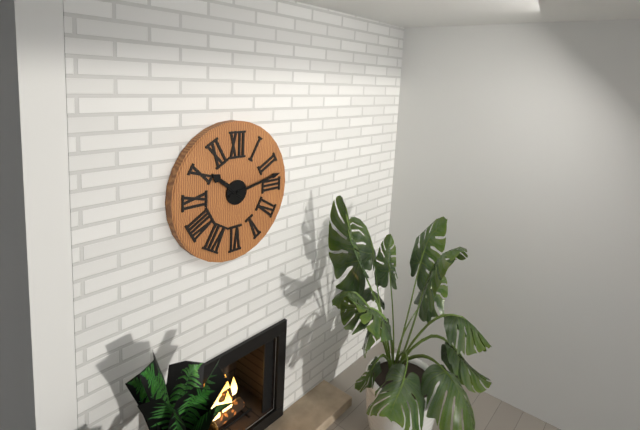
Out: {"hour": 10, "minute": 13}
